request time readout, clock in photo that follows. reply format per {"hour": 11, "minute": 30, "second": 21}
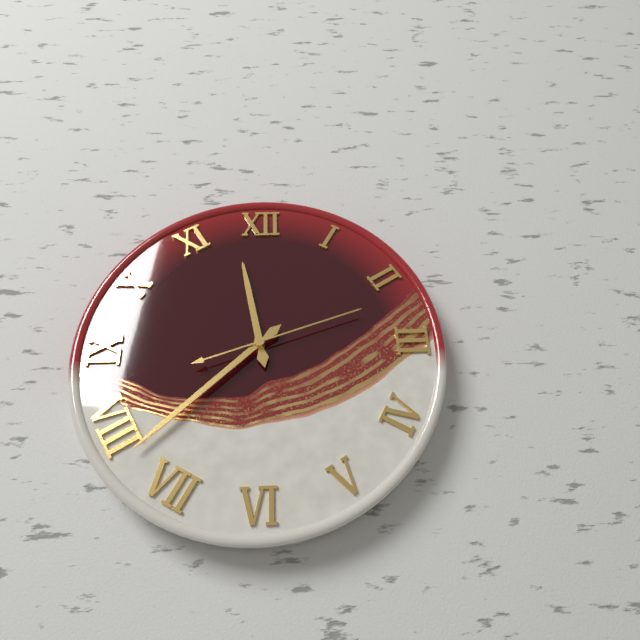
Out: {"hour": 11, "minute": 38, "second": 12}
